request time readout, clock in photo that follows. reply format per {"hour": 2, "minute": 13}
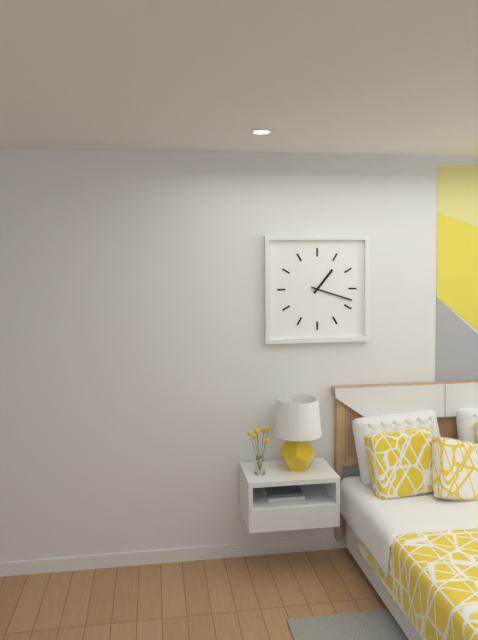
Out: {"hour": 1, "minute": 18}
